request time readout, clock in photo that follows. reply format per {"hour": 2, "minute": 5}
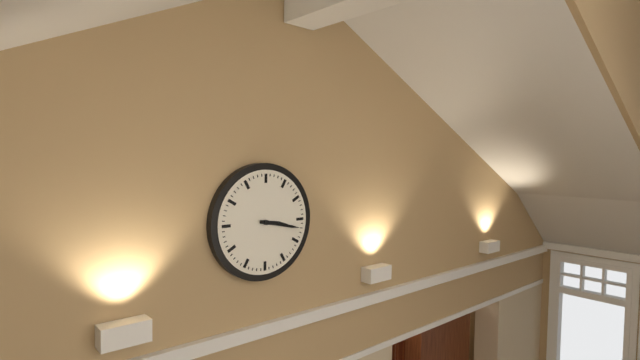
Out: {"hour": 3, "minute": 17}
